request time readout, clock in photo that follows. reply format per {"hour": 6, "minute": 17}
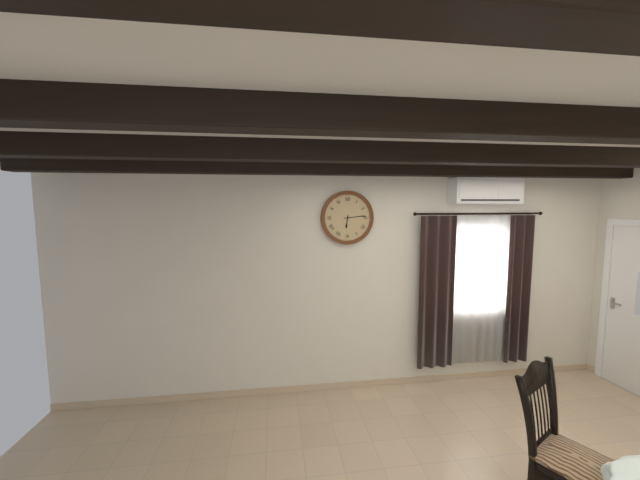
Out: {"hour": 6, "minute": 14}
